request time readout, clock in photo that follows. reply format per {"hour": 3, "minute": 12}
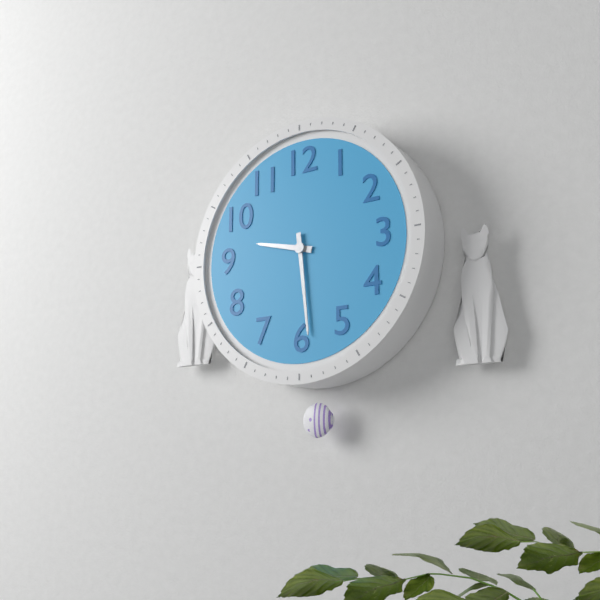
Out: {"hour": 9, "minute": 29}
